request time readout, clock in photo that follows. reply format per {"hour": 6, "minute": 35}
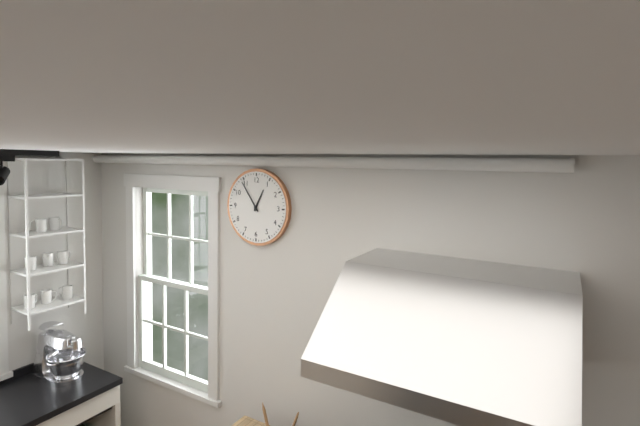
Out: {"hour": 12, "minute": 54}
